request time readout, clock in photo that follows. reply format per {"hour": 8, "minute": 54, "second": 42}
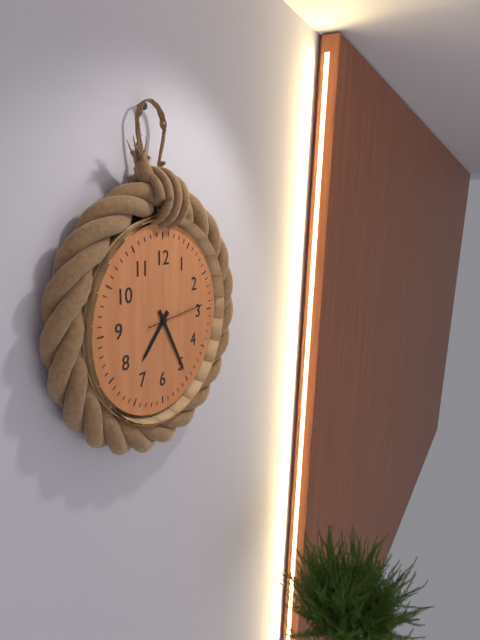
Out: {"hour": 7, "minute": 25, "second": 14}
